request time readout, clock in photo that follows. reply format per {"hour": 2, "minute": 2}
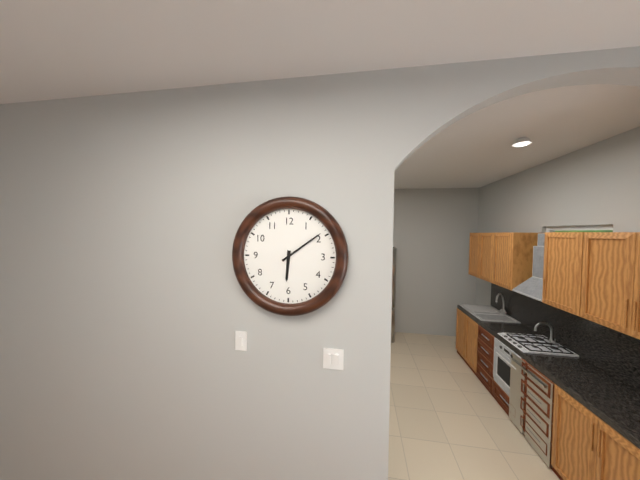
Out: {"hour": 6, "minute": 9}
